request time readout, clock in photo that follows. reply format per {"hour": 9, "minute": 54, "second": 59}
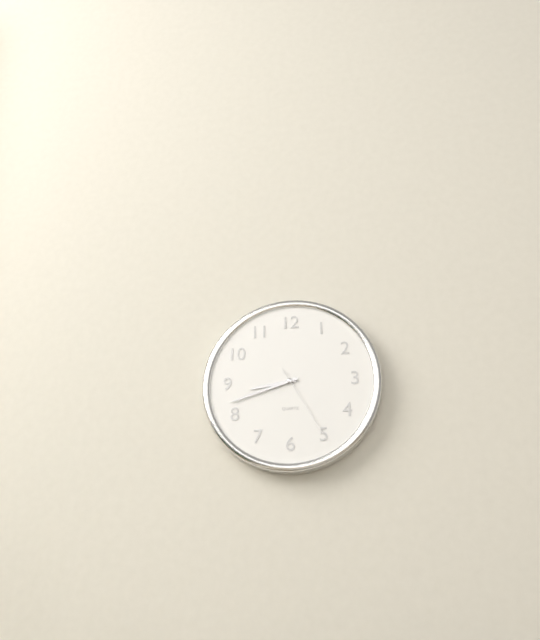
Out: {"hour": 8, "minute": 42, "second": 25}
